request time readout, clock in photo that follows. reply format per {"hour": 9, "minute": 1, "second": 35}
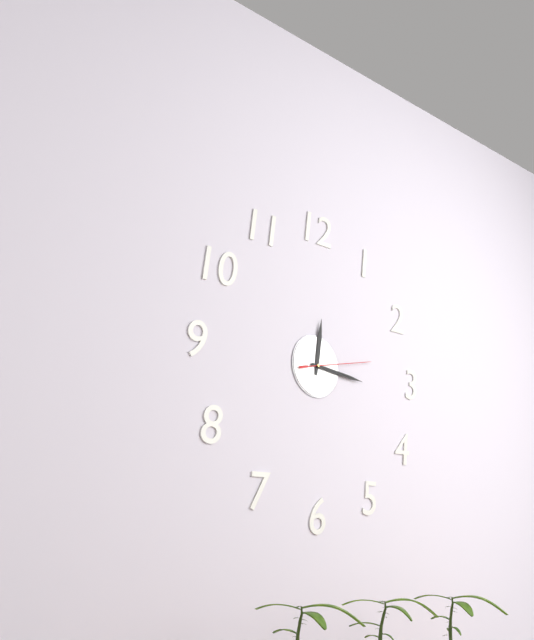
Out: {"hour": 12, "minute": 16, "second": 13}
